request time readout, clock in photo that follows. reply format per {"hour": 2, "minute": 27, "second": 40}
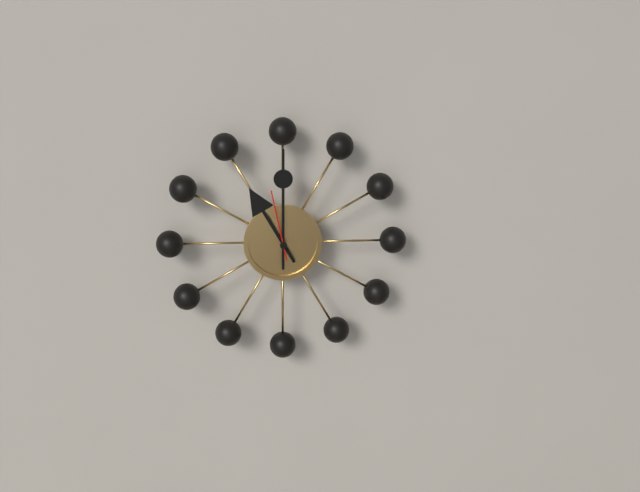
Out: {"hour": 11, "minute": 0, "second": 58}
